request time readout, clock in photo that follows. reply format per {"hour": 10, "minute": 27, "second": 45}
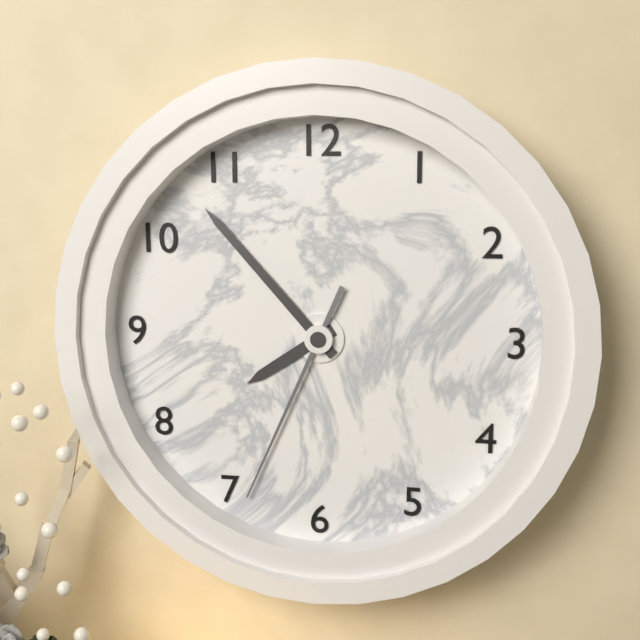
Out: {"hour": 7, "minute": 53, "second": 34}
